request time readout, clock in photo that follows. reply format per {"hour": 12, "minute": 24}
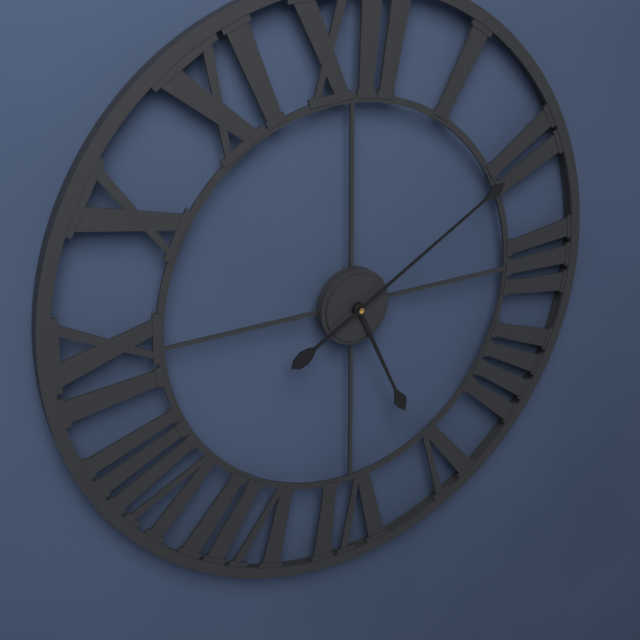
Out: {"hour": 5, "minute": 10}
